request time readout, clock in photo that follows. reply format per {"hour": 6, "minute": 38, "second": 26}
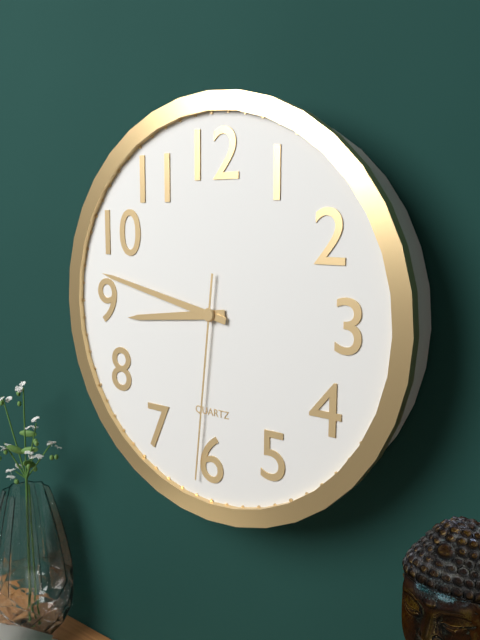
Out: {"hour": 8, "minute": 47, "second": 31}
